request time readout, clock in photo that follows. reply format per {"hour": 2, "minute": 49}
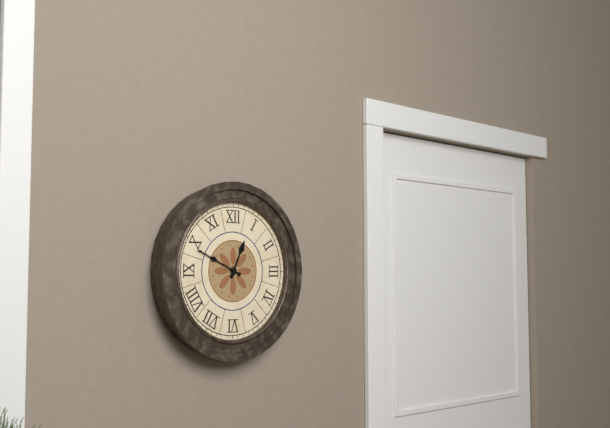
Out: {"hour": 12, "minute": 49}
